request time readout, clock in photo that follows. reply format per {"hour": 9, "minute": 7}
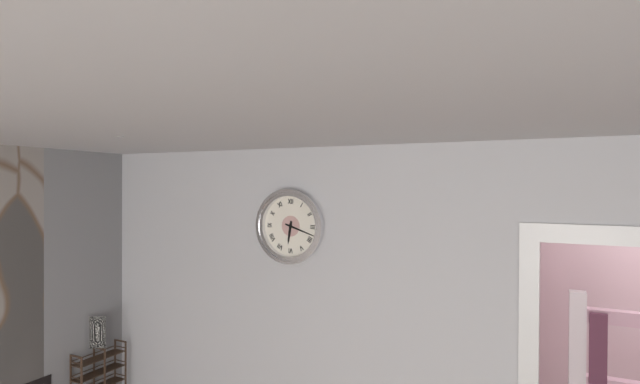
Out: {"hour": 6, "minute": 18}
